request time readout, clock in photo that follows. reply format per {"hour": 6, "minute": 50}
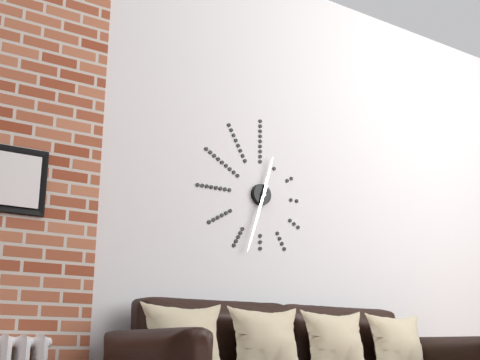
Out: {"hour": 12, "minute": 33}
